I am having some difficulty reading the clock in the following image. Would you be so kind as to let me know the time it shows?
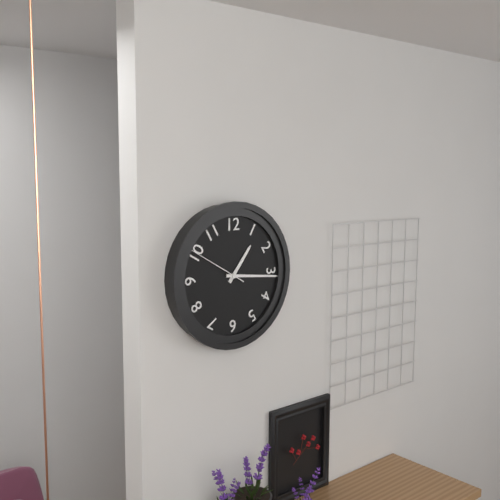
1:16:50
